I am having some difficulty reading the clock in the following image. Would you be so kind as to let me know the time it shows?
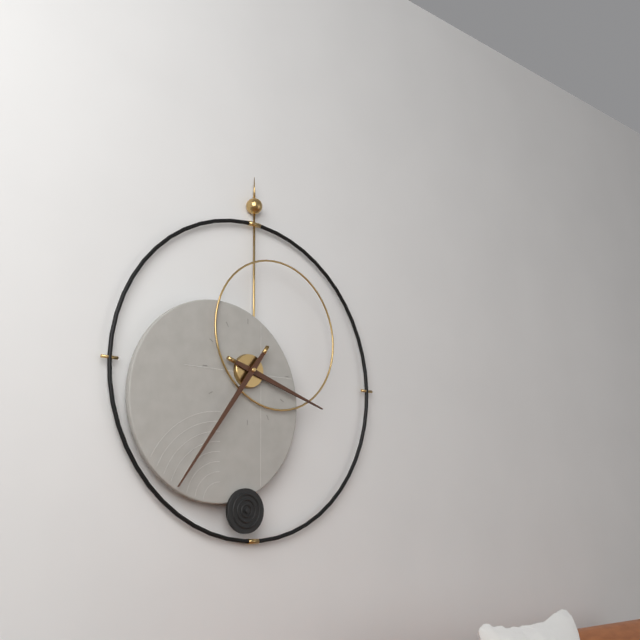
3:36
